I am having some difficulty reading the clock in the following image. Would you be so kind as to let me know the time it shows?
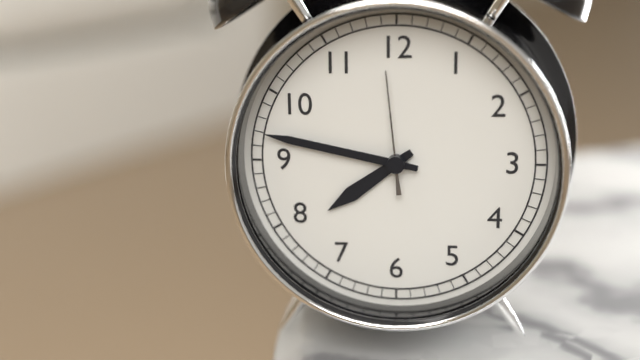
7:47:59
